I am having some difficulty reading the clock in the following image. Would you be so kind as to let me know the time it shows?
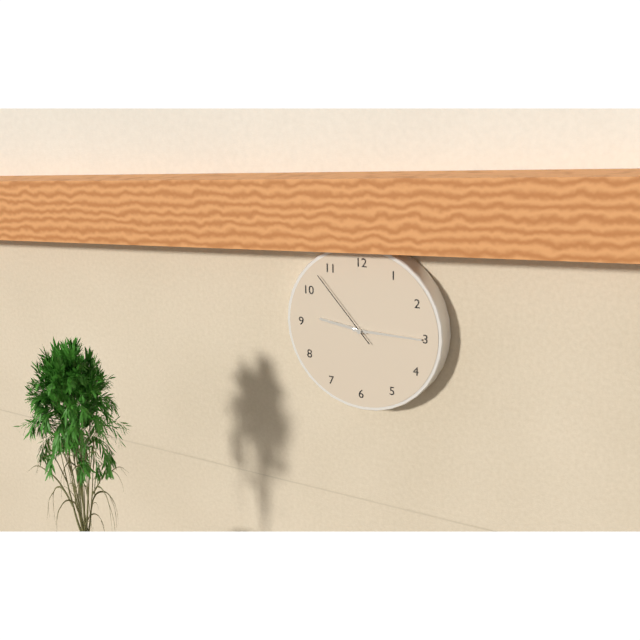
9:15:53
